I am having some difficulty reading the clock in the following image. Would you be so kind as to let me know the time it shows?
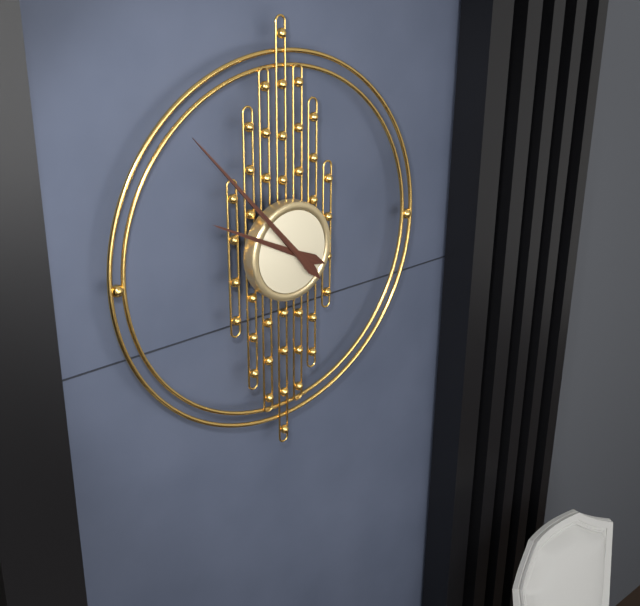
9:53
